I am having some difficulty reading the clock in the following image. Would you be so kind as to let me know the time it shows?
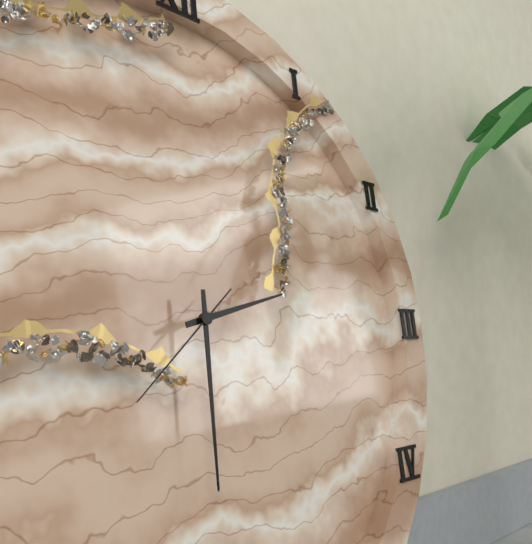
2:30:38
